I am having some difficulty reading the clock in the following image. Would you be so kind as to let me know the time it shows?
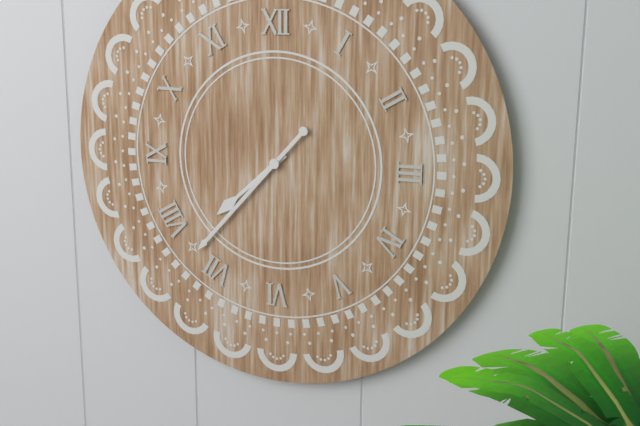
7:37
